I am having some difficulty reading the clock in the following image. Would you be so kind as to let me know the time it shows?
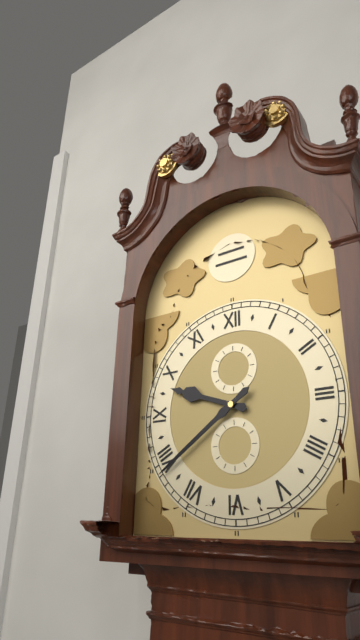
9:39
